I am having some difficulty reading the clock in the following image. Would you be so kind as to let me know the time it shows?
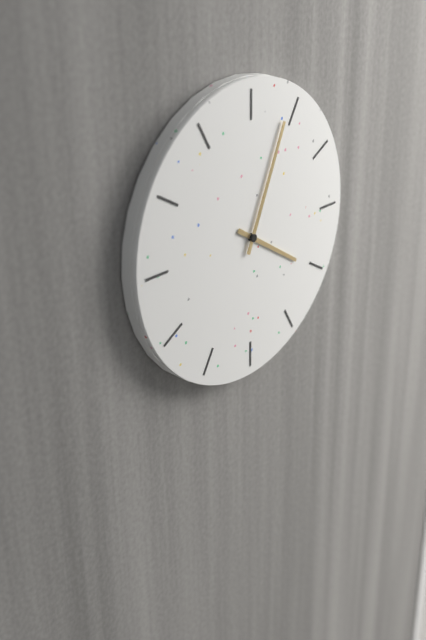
4:04
